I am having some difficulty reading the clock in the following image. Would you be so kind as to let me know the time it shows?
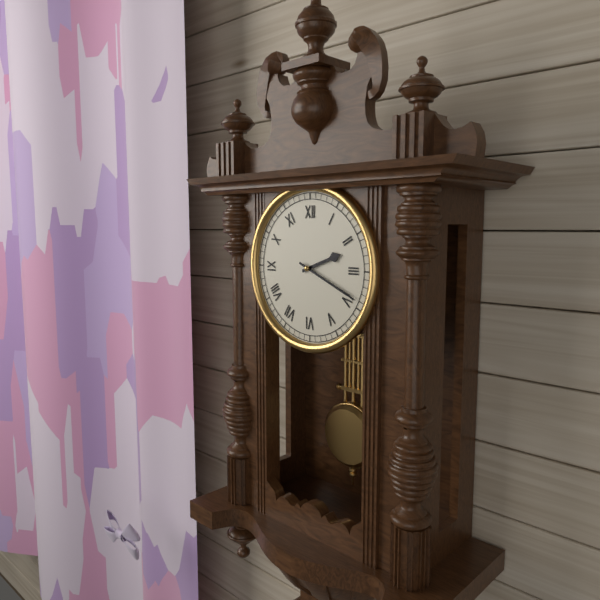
2:19
